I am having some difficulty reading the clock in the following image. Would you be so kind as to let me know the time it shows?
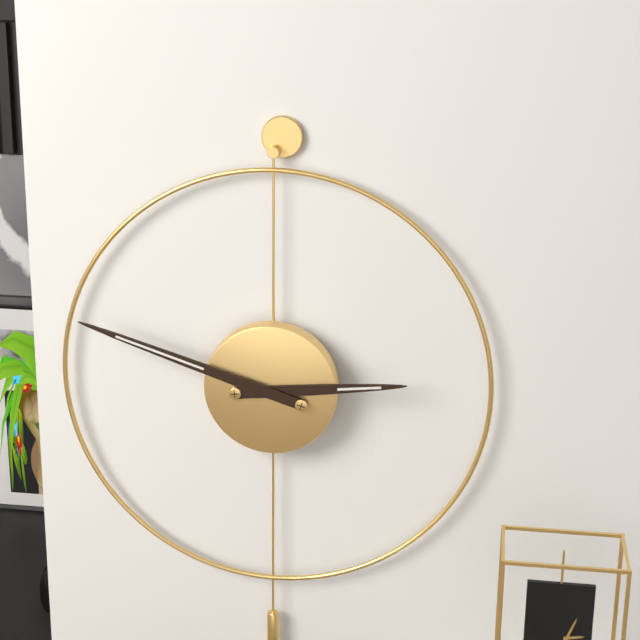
2:48
